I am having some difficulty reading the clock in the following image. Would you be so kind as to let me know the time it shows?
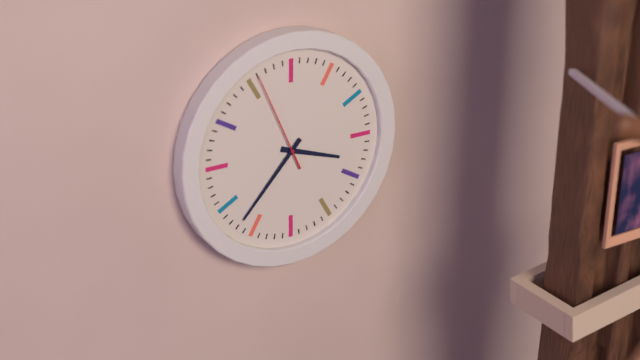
3:37:56
